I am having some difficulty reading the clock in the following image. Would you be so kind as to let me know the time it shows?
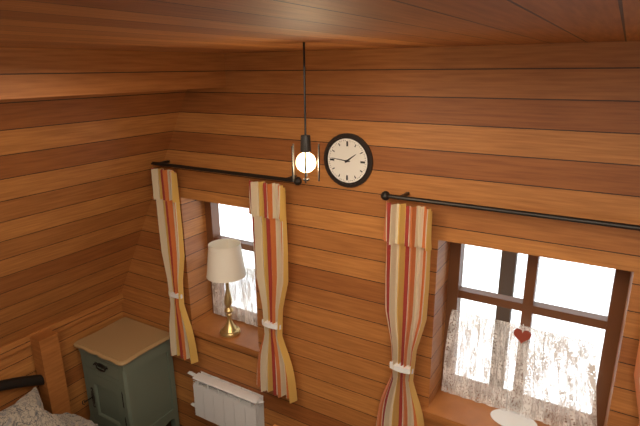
1:46
